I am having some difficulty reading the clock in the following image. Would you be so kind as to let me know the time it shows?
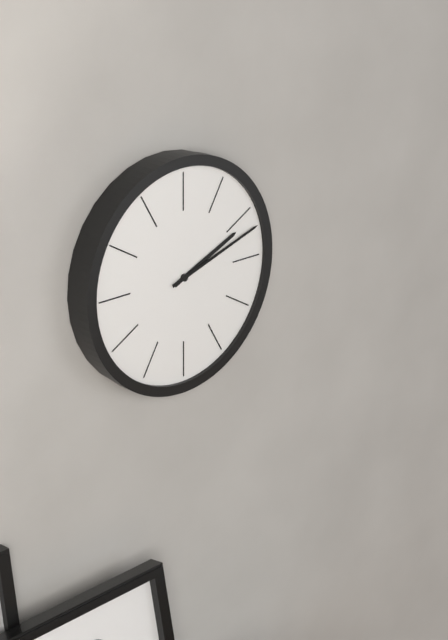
2:12
